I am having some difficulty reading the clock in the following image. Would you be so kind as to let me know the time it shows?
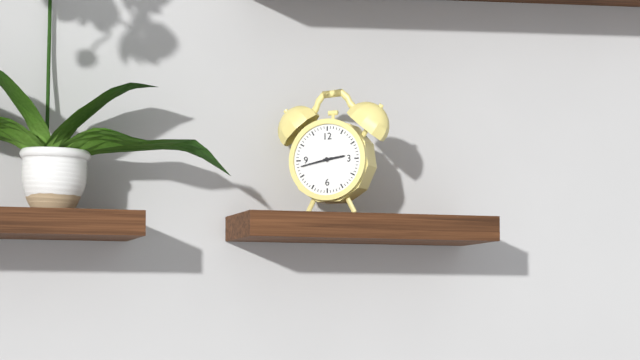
2:43
